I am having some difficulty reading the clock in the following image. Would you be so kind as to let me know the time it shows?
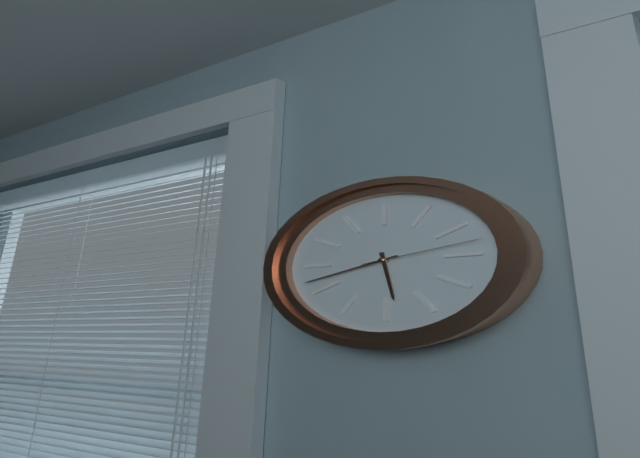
5:42:13
